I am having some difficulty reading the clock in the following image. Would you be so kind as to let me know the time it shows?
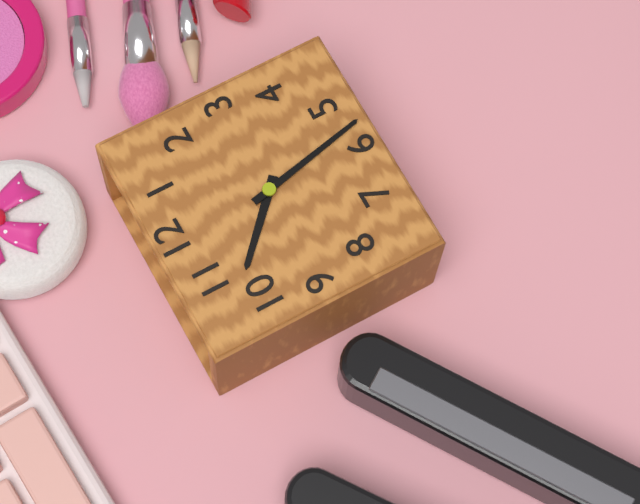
10:28
